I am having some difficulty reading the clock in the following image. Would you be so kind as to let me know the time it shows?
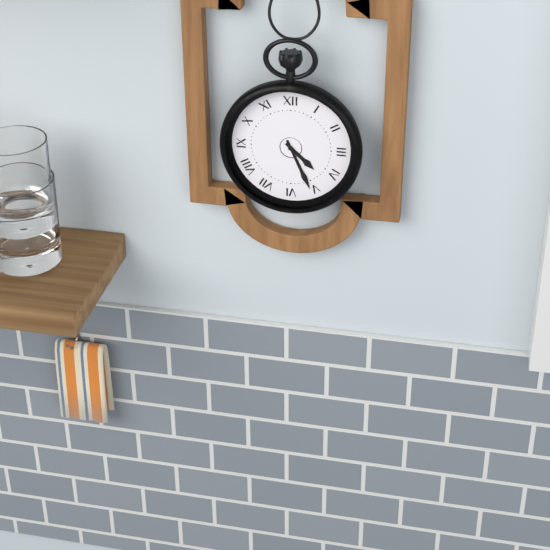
4:26
